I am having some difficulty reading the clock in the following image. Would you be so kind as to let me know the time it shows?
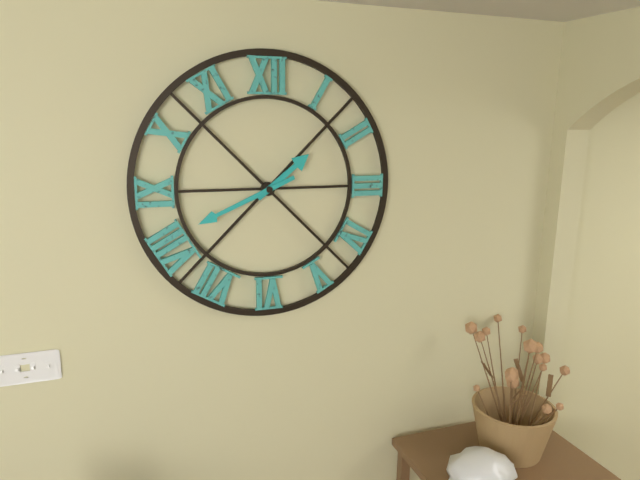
1:41
